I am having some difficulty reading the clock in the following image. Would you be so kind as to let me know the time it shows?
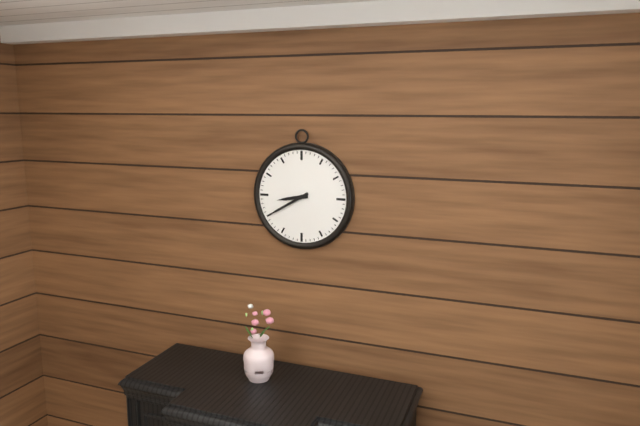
8:40
